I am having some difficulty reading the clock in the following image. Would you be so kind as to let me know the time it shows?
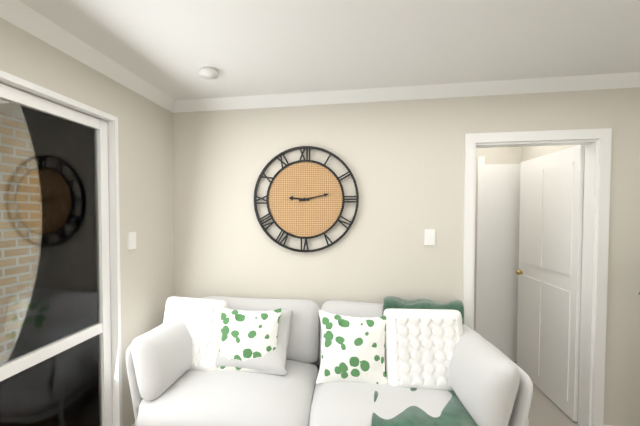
9:13
